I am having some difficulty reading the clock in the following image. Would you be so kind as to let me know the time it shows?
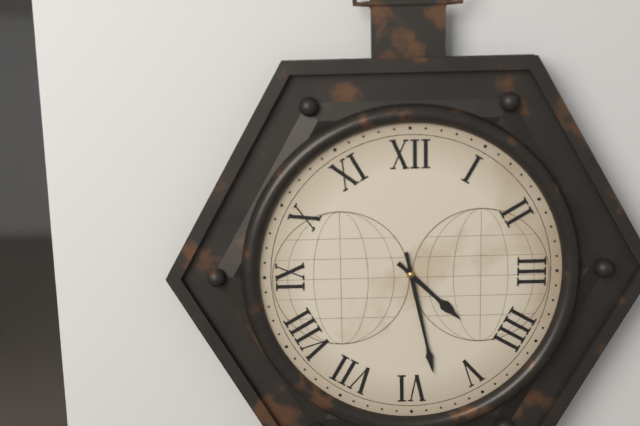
4:28
